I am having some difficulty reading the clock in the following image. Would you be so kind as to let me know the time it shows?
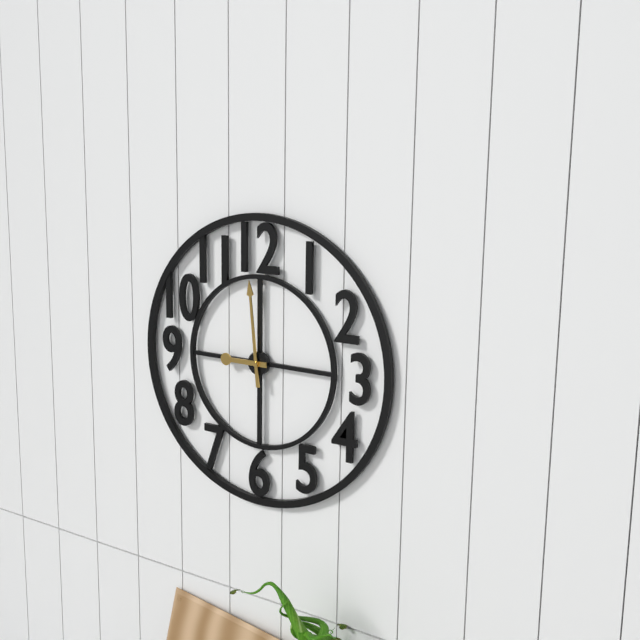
8:59
